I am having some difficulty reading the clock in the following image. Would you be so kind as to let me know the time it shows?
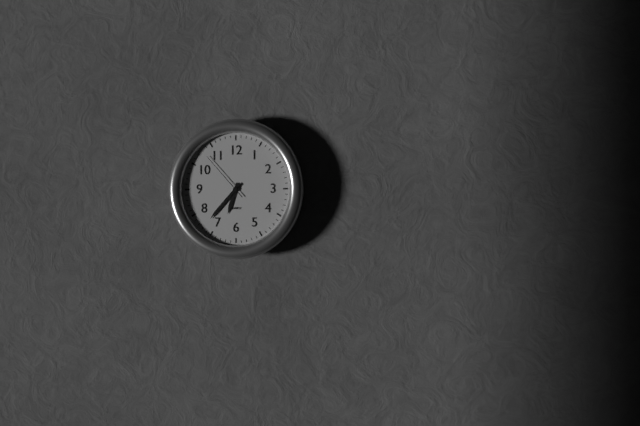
6:37:53
